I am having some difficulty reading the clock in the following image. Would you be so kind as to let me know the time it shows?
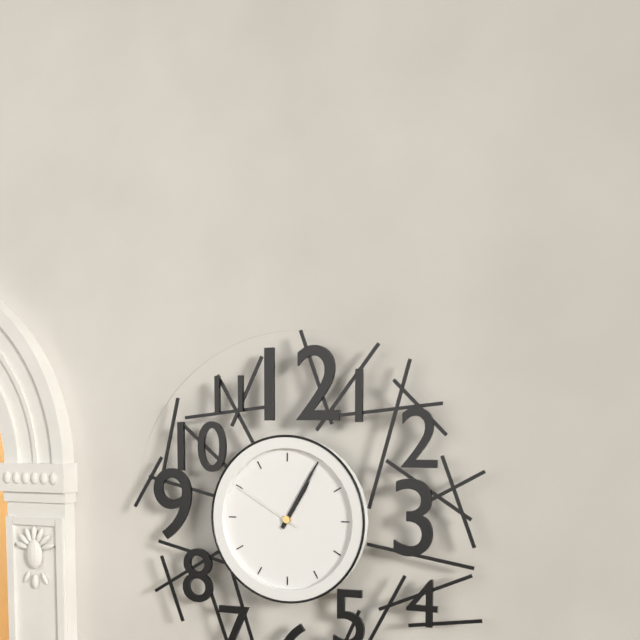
1:05:50
